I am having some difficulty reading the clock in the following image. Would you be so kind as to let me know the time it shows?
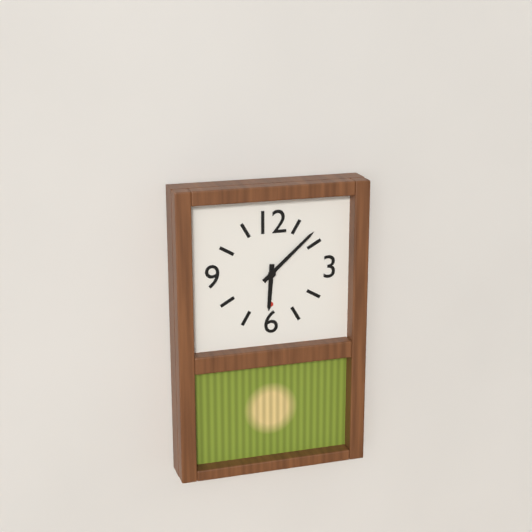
6:08
